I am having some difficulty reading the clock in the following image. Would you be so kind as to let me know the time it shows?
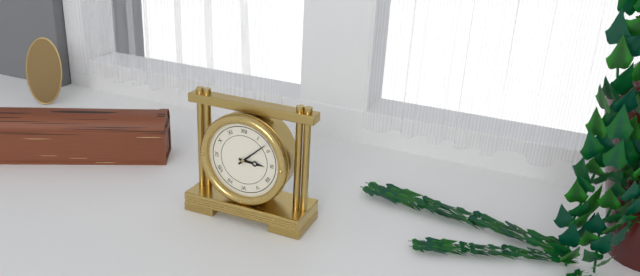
3:08
